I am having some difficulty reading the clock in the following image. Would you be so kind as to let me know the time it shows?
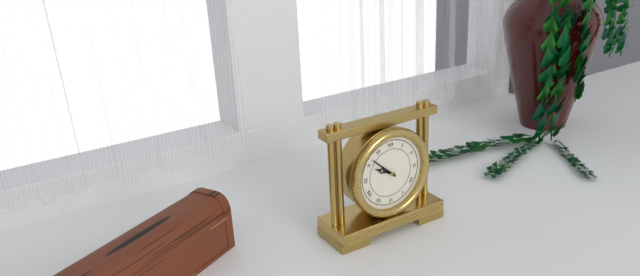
9:52
